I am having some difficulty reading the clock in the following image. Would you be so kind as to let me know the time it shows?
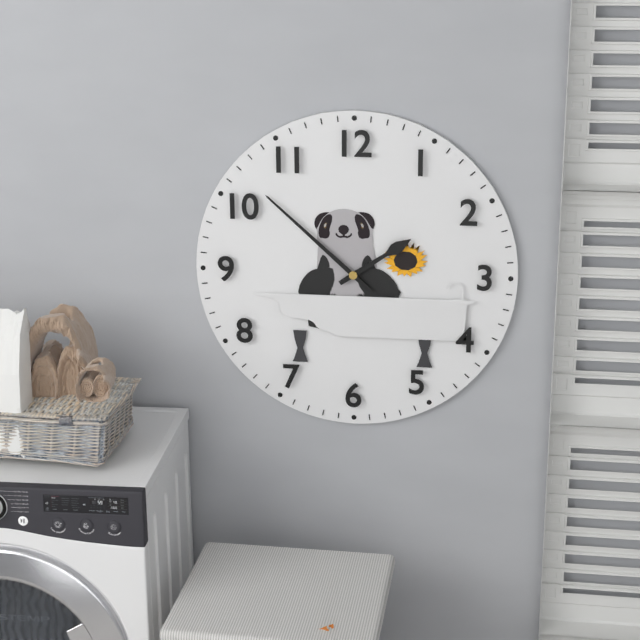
1:52
